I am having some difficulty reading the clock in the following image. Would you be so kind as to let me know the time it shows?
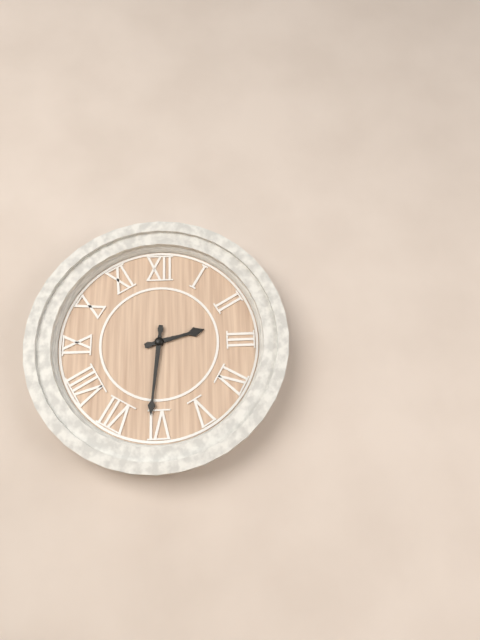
2:31
